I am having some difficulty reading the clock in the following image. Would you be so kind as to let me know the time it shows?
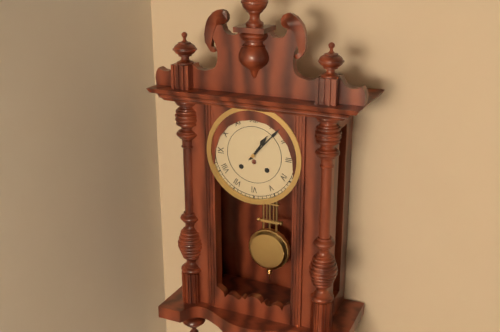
1:07
